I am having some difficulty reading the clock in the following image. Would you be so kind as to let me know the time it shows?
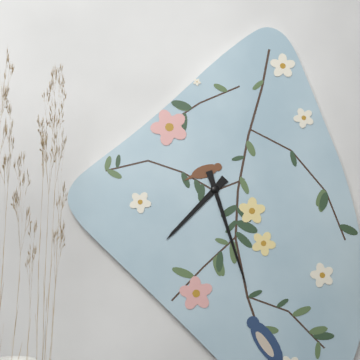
7:27
